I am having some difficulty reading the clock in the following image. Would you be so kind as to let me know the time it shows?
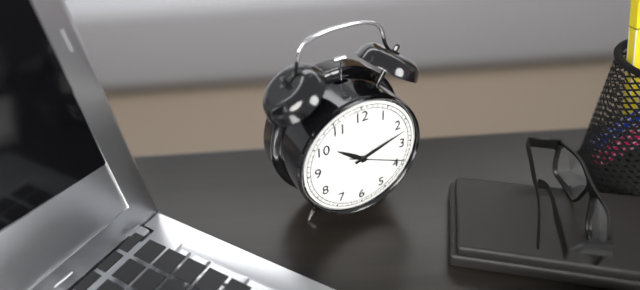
10:12:19
